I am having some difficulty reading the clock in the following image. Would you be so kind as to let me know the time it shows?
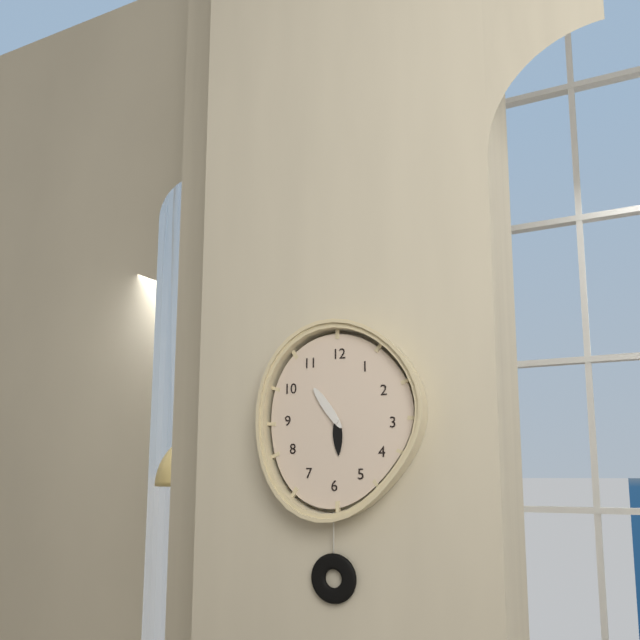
5:54
